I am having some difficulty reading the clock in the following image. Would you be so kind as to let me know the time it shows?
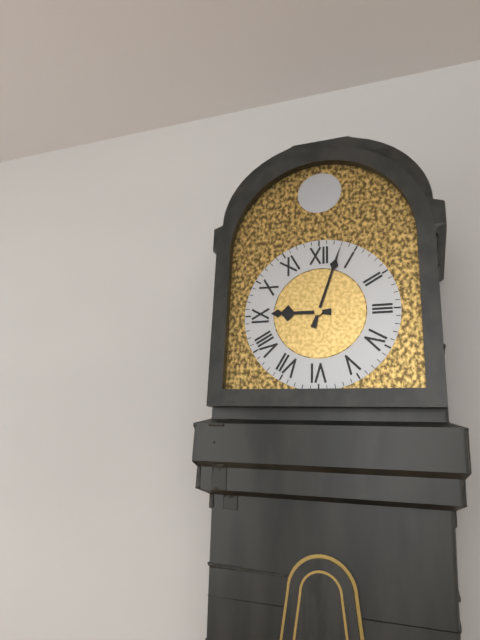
9:03
